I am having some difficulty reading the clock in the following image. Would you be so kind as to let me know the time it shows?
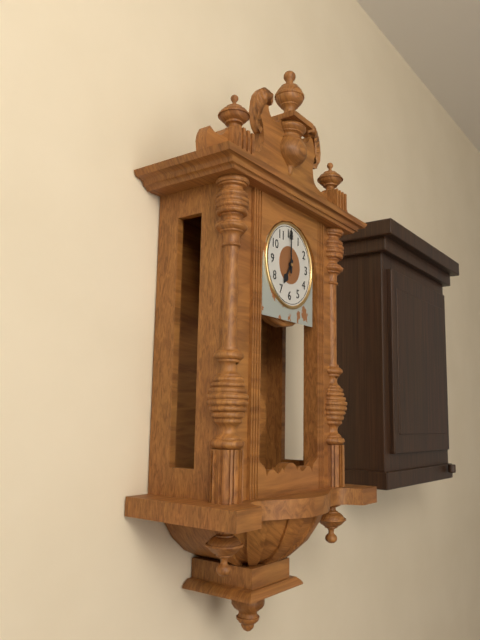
7:00
